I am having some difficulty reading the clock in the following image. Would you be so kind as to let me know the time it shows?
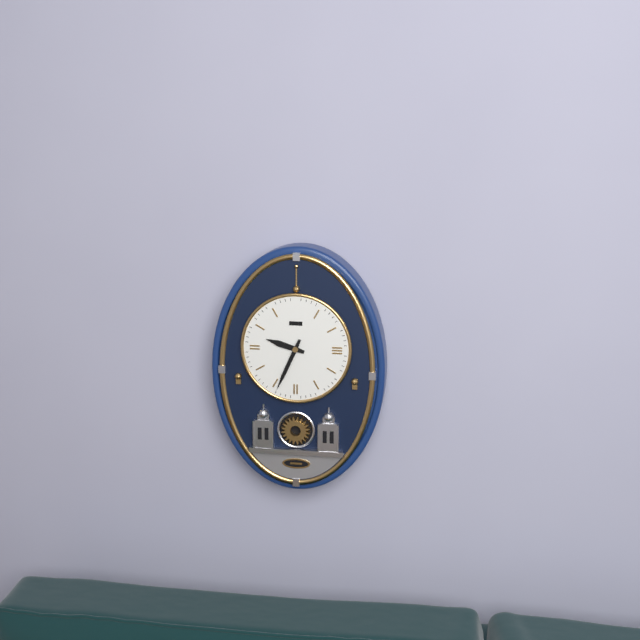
9:34
